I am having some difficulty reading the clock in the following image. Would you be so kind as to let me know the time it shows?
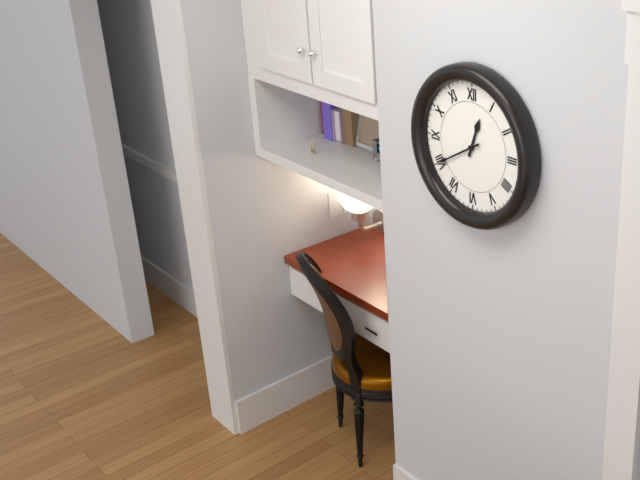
12:40
